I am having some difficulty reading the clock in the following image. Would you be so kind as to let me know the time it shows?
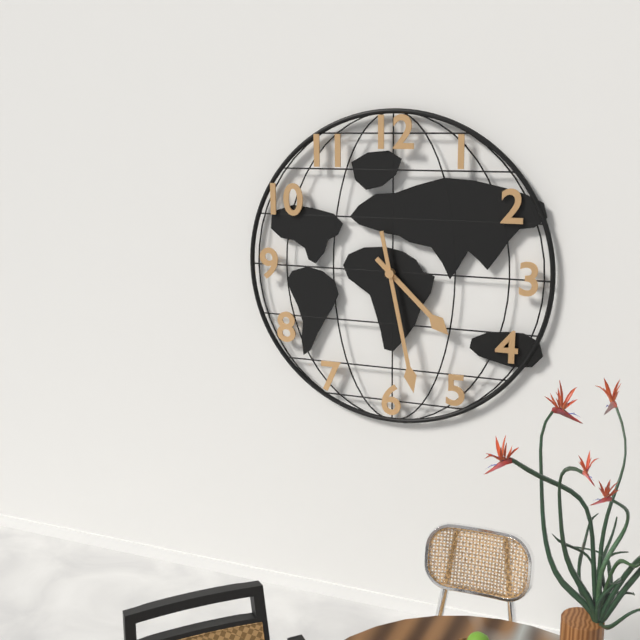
4:28
